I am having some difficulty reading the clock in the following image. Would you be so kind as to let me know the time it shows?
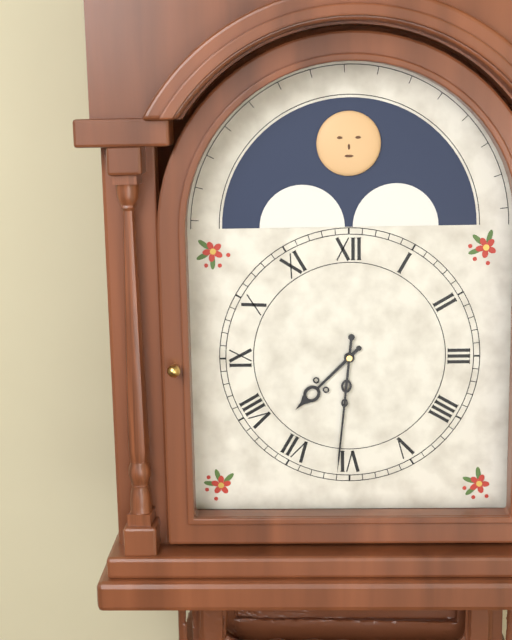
7:31
